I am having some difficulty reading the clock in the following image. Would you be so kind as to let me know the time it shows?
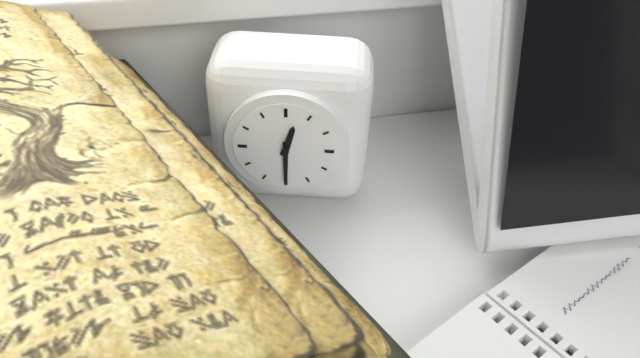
12:30
